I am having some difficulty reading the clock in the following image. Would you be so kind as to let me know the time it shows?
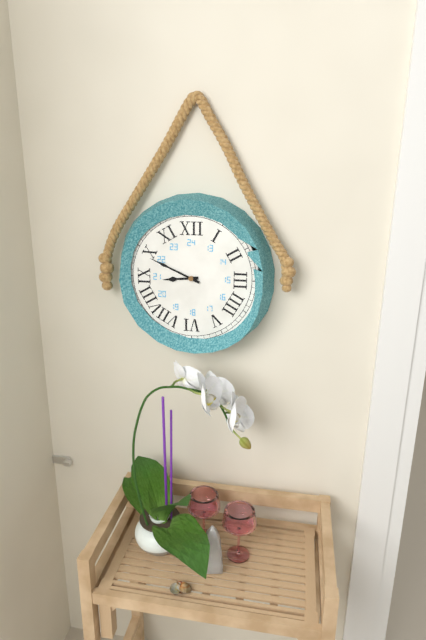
8:49
